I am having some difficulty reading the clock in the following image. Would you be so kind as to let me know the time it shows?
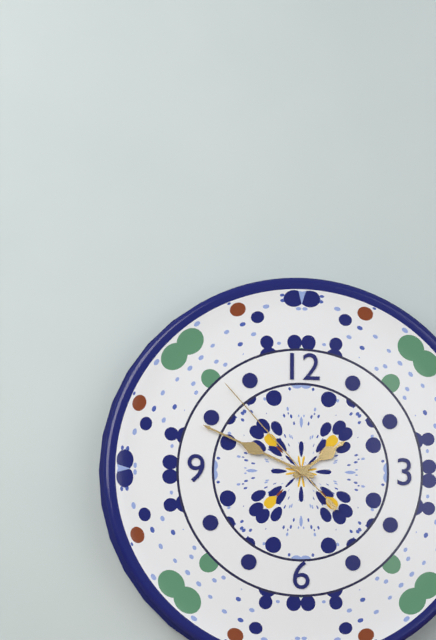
1:49:53
